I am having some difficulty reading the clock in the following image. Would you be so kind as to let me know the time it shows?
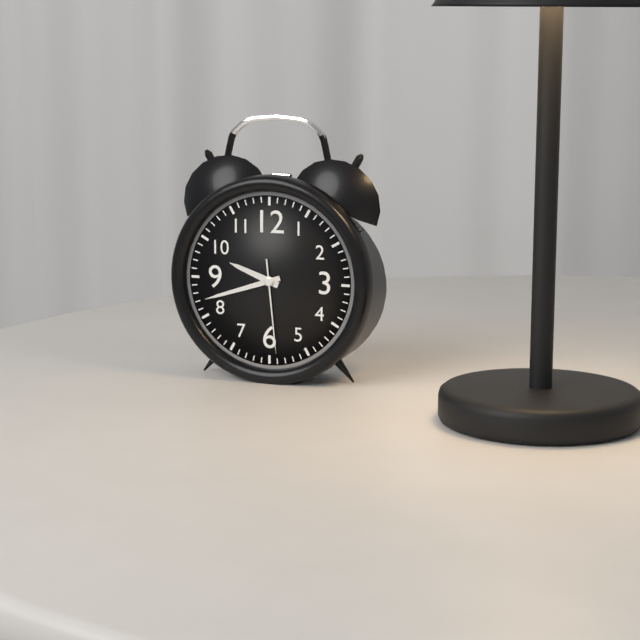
9:42:29
